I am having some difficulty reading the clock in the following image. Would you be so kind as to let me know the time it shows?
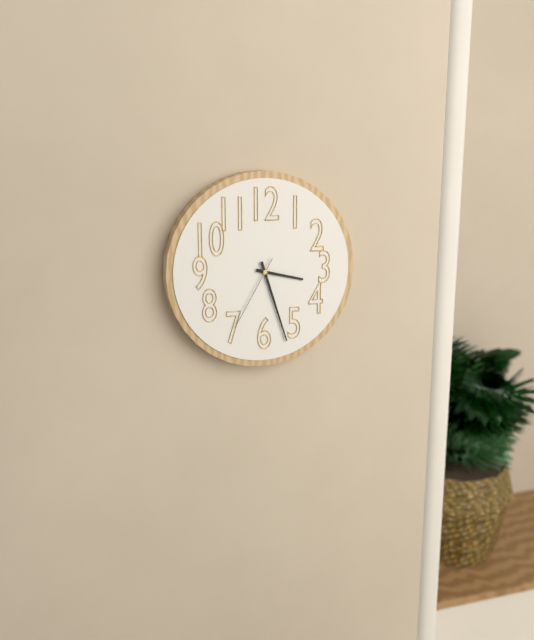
3:27:35
